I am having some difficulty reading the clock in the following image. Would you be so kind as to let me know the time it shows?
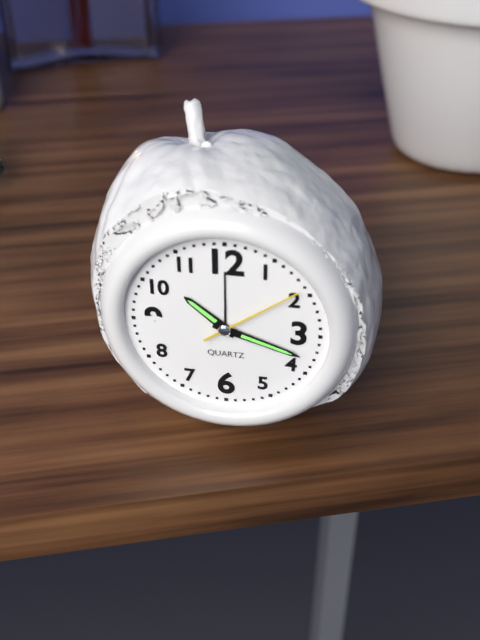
10:18:09
